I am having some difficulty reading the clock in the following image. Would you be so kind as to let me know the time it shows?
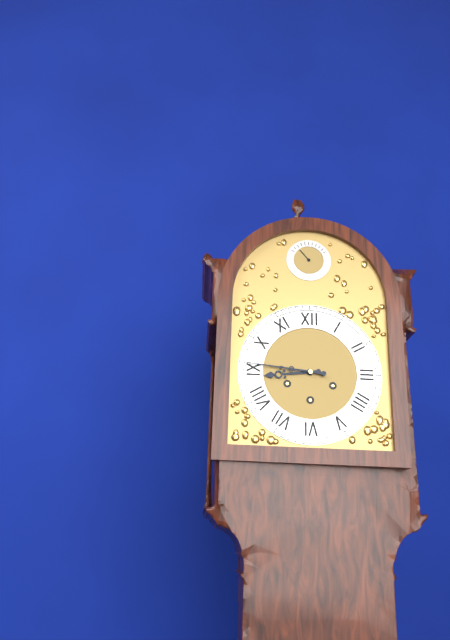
8:46
